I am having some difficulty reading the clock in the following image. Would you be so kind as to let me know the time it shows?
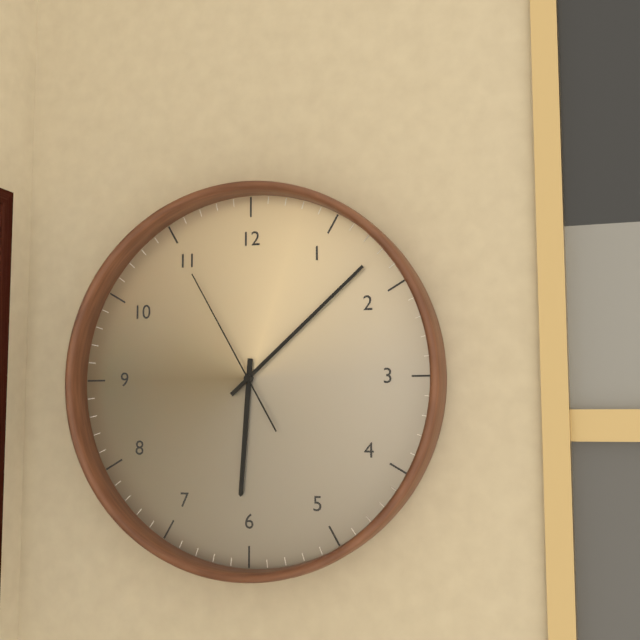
6:08:55
